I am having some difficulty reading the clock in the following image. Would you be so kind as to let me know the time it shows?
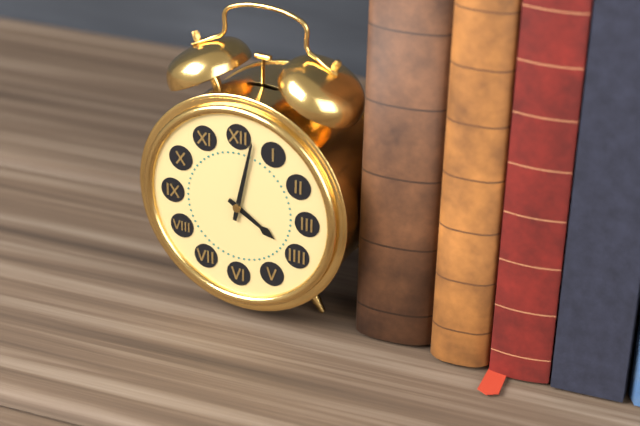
4:02
